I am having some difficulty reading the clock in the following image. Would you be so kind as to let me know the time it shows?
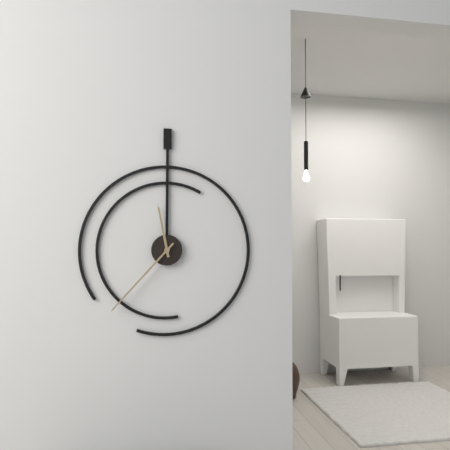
11:37
